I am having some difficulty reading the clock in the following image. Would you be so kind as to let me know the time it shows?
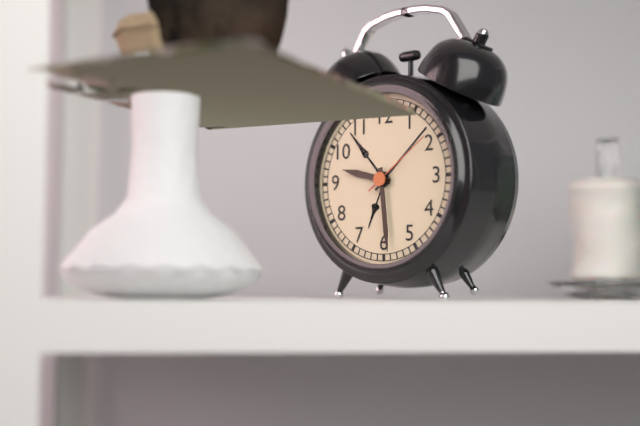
9:29:09
